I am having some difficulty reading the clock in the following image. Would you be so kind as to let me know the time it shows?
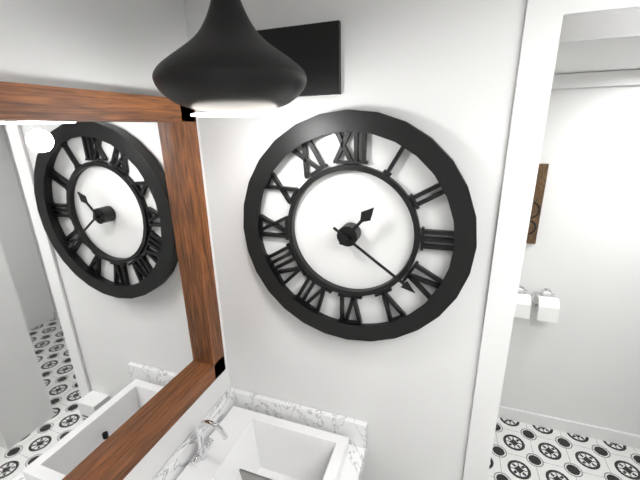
1:21
